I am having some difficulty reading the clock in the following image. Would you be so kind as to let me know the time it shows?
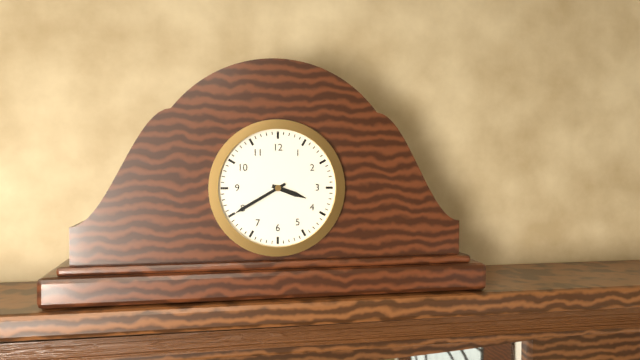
3:40
